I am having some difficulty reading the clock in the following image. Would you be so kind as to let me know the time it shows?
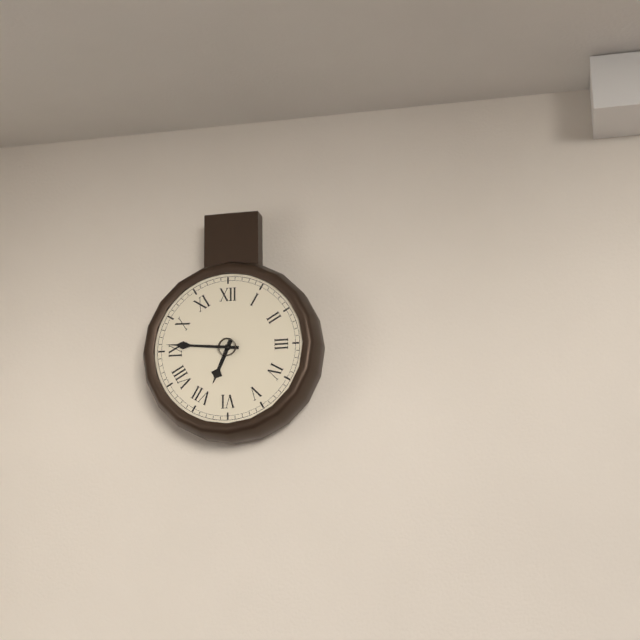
6:46
